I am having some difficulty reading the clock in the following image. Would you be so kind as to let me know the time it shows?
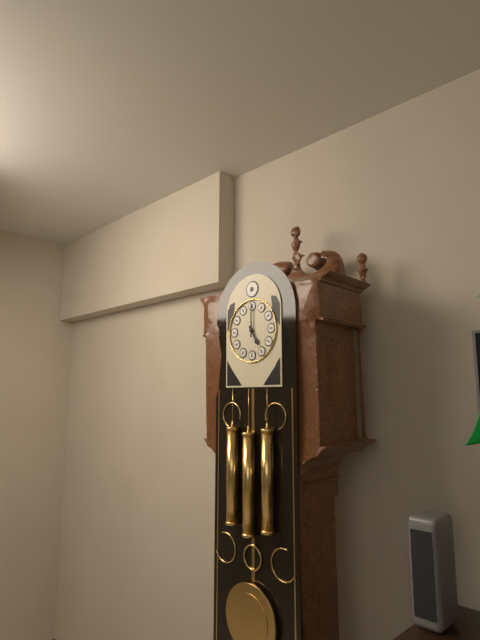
5:00
